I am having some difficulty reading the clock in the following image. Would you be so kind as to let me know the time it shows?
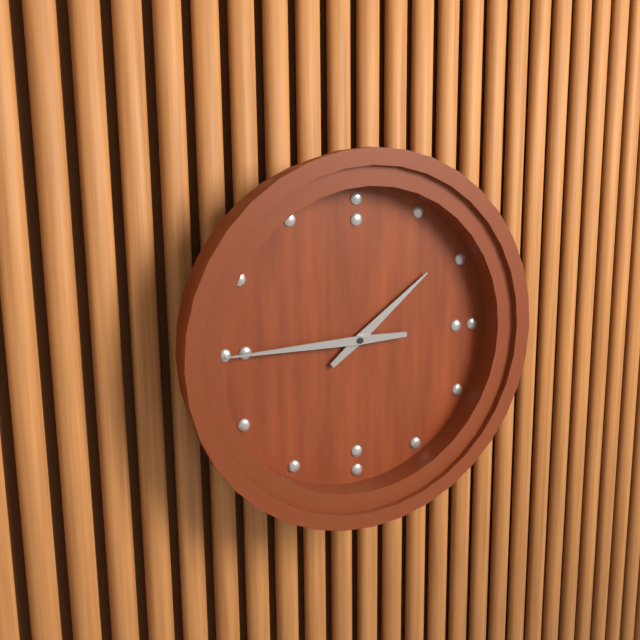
1:45
